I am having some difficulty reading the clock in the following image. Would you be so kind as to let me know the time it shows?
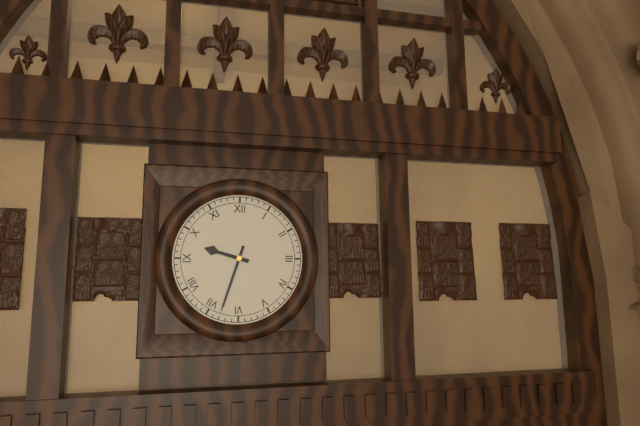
9:33
